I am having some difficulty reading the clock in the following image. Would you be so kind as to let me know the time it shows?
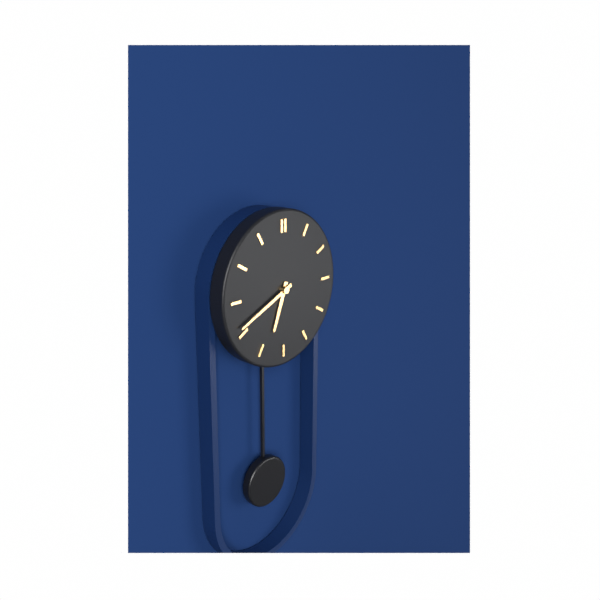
6:41
